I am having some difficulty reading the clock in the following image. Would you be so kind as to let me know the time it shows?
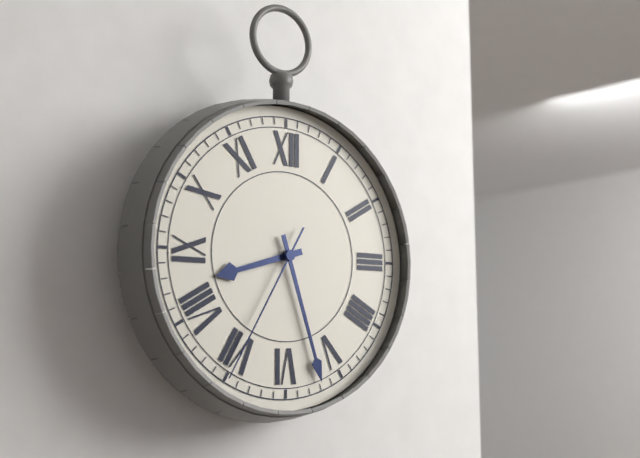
8:27:35
